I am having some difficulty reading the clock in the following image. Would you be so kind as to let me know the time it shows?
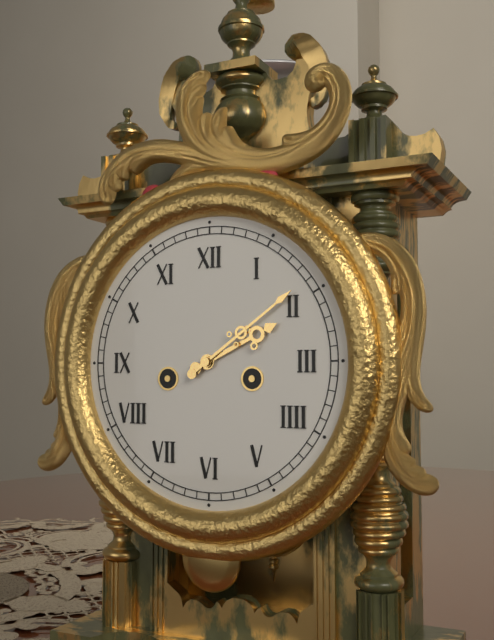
2:09
